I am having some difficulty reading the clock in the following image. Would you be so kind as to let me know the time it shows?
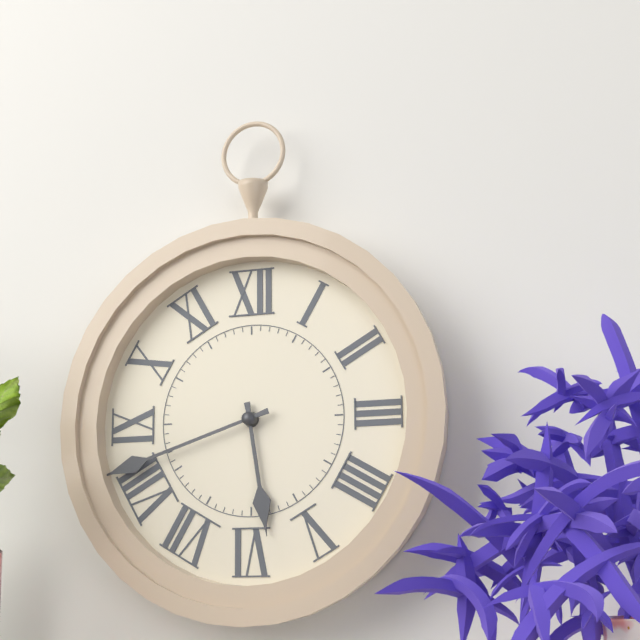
5:42
